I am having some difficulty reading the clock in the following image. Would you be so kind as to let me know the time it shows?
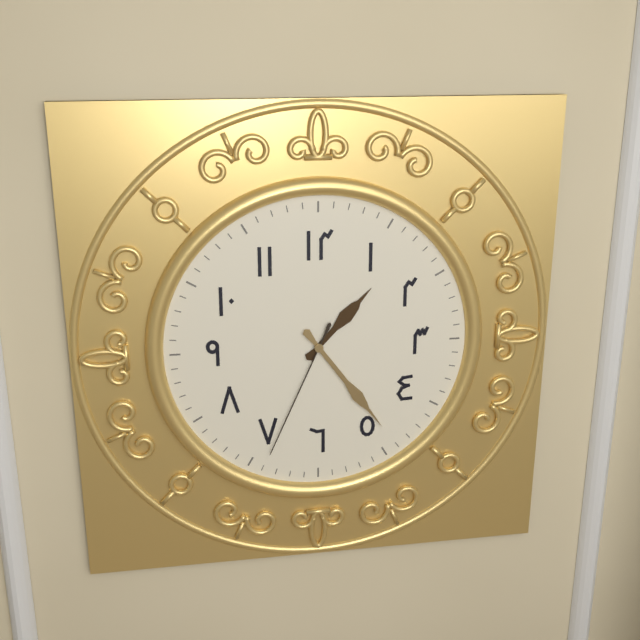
1:24:34
